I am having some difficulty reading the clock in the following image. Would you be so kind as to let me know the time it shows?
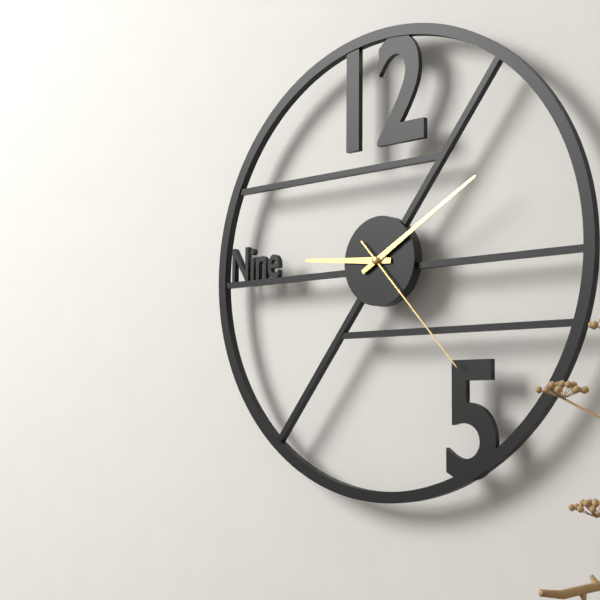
9:10:23
